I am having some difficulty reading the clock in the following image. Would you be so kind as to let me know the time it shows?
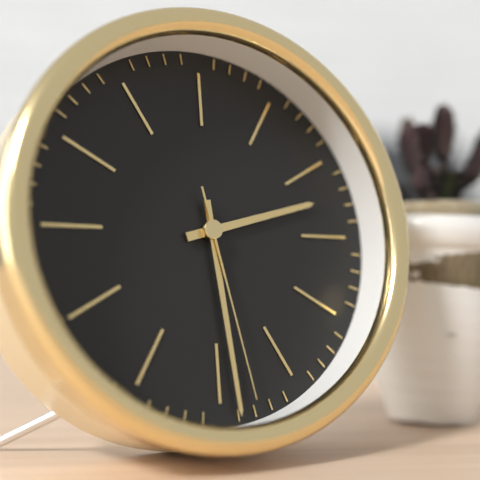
2:29:28
